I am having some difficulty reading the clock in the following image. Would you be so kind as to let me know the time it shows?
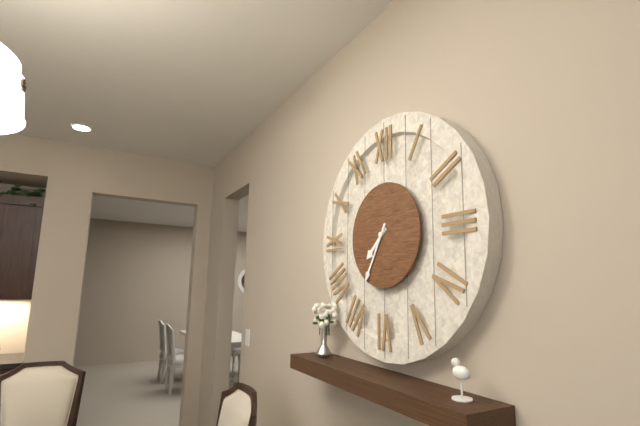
7:35
